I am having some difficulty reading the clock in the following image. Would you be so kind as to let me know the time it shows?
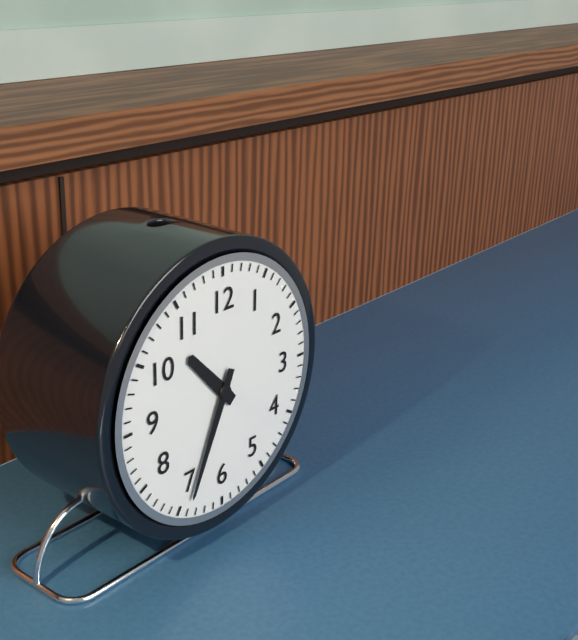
10:34
